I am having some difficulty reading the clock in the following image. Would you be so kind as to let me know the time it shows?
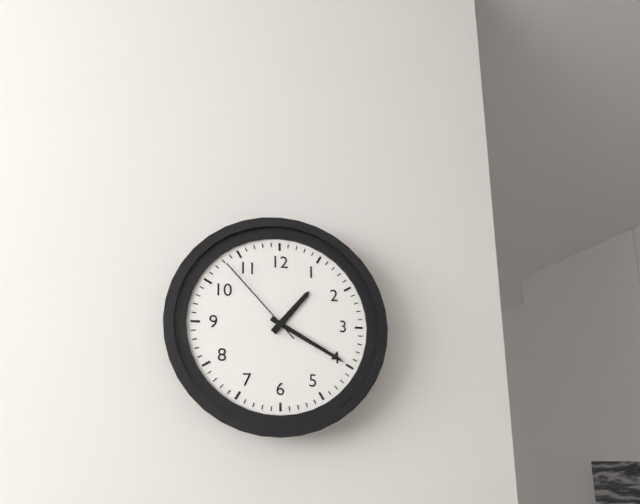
1:20:53
